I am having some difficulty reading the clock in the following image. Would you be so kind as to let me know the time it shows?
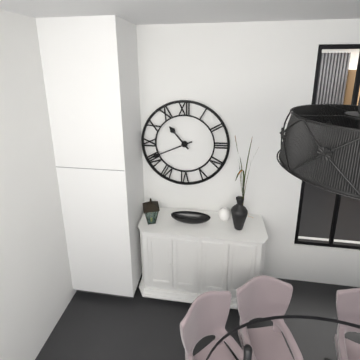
10:41
